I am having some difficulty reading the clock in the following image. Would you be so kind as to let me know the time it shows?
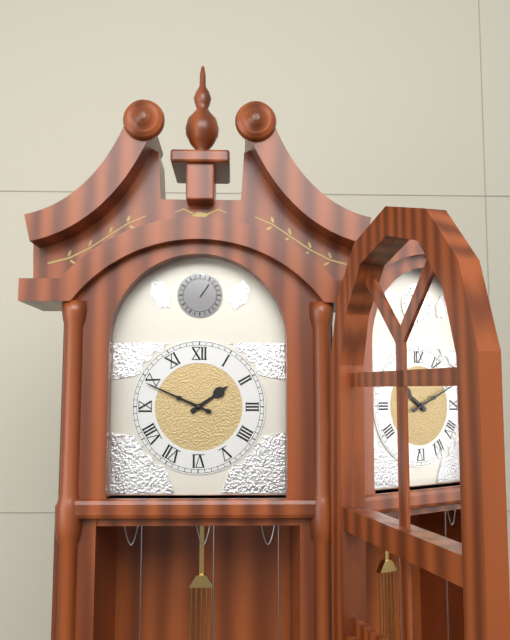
1:49
